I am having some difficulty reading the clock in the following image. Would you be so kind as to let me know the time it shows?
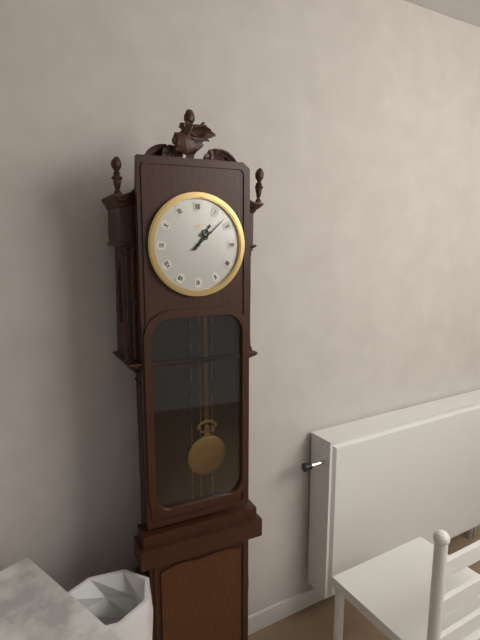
1:08
